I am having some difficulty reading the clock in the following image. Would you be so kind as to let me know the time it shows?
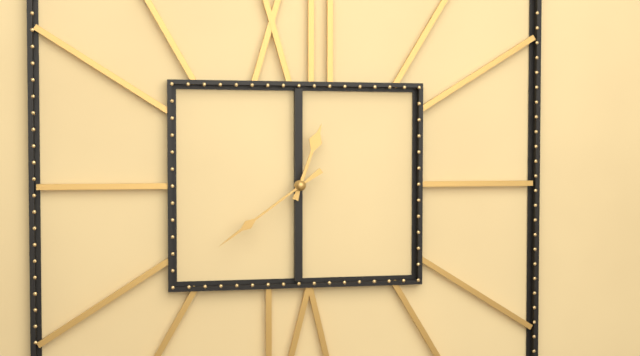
12:39
